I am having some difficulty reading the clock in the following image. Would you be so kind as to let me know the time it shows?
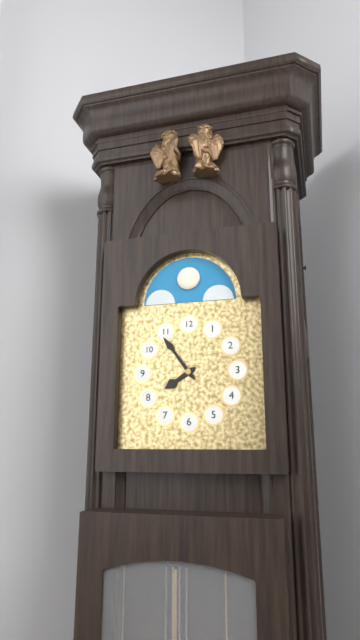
7:54
